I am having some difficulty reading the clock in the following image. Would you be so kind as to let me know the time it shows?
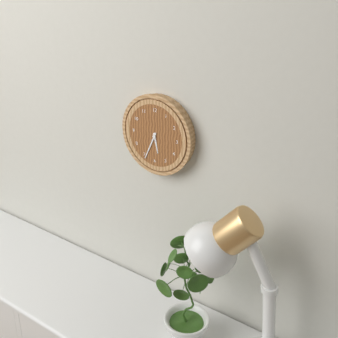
5:34
